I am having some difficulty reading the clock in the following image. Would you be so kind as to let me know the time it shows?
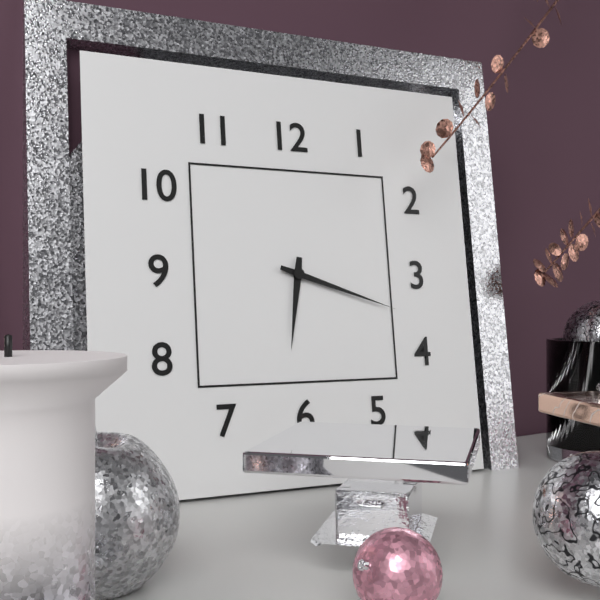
6:18
